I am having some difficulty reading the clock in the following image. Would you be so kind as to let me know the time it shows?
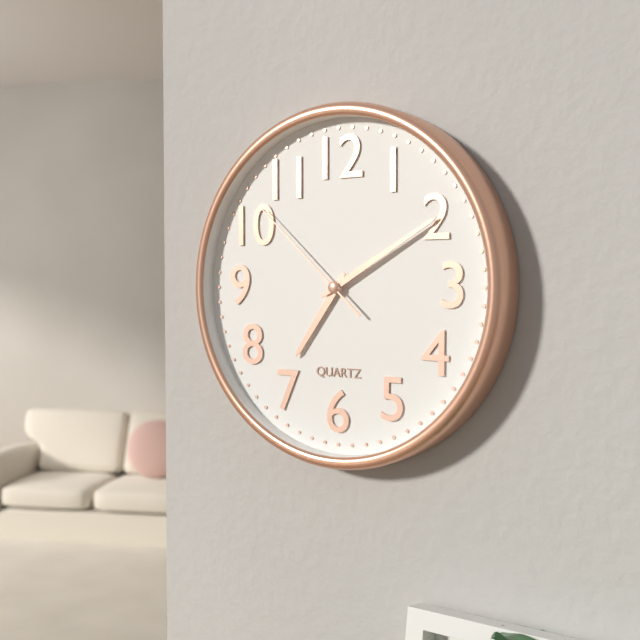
7:10:52
